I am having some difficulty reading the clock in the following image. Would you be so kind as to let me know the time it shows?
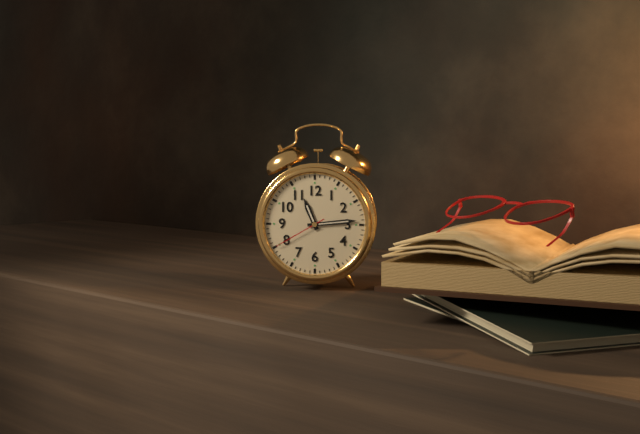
11:14:40
